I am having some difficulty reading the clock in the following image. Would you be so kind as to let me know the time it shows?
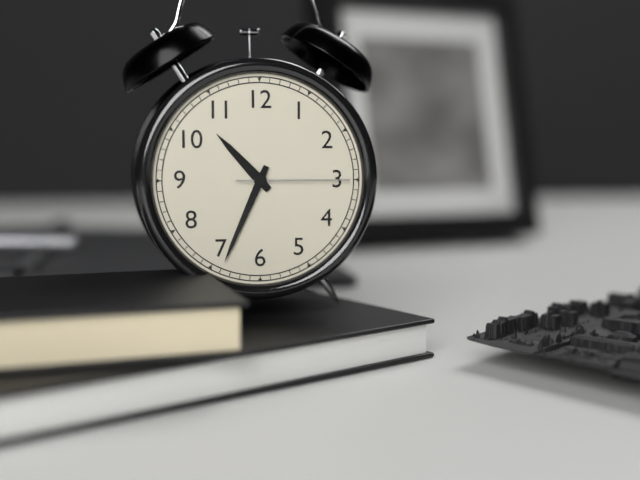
10:34:15
